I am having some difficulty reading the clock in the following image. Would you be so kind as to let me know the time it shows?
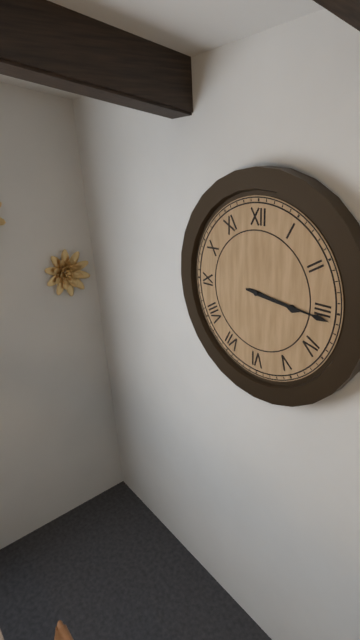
3:16
